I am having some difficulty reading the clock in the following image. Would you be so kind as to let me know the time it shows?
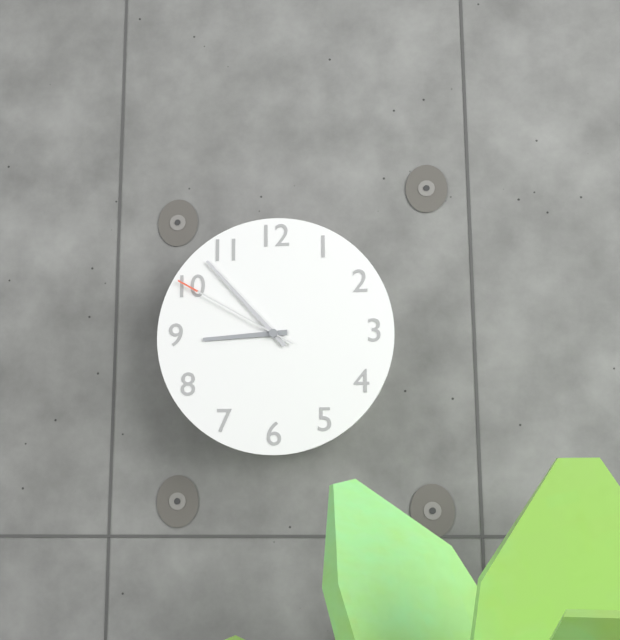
8:53:50
